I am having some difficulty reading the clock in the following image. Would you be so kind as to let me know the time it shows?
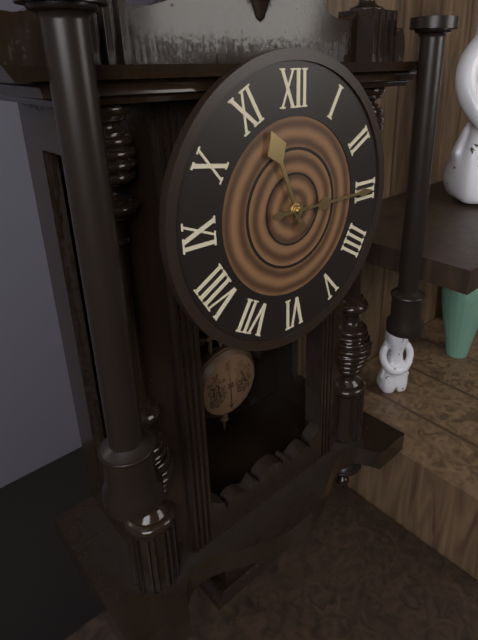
11:15
